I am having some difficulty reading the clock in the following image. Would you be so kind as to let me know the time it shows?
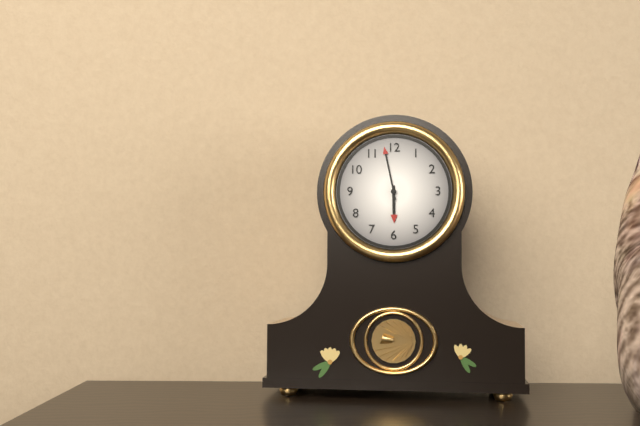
5:58
